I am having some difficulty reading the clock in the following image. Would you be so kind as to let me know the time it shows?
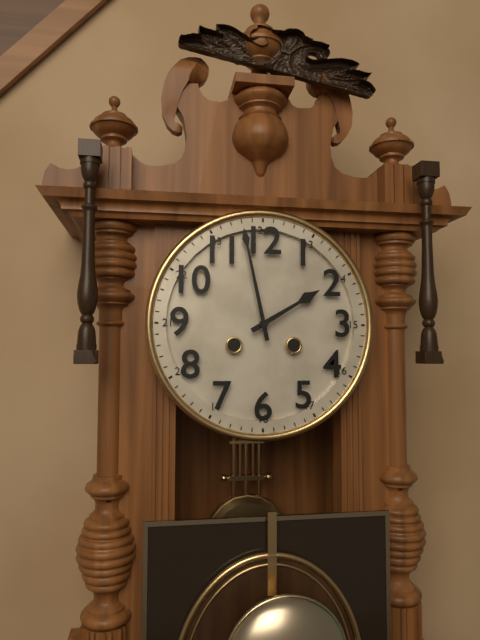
1:58
